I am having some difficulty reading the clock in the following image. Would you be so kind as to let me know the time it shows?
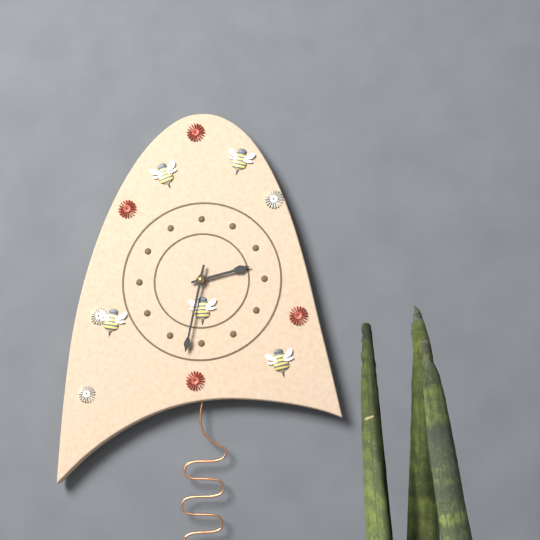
2:32
